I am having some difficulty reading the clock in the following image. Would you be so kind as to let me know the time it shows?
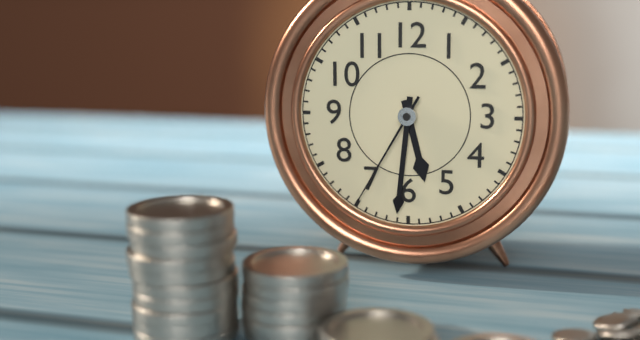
5:31:35
